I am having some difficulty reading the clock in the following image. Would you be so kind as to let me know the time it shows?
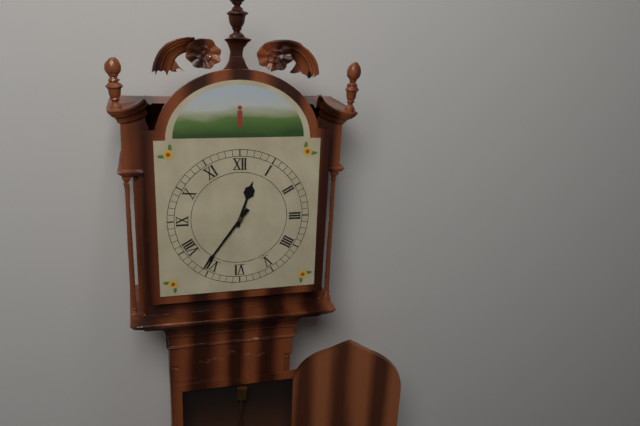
12:36
